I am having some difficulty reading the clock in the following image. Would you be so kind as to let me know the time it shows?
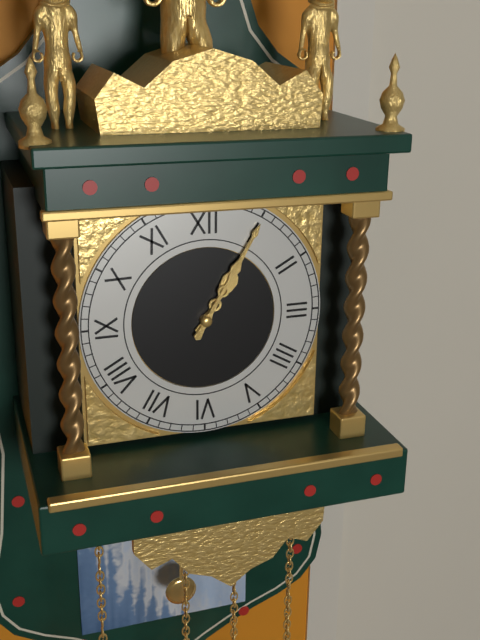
1:05
